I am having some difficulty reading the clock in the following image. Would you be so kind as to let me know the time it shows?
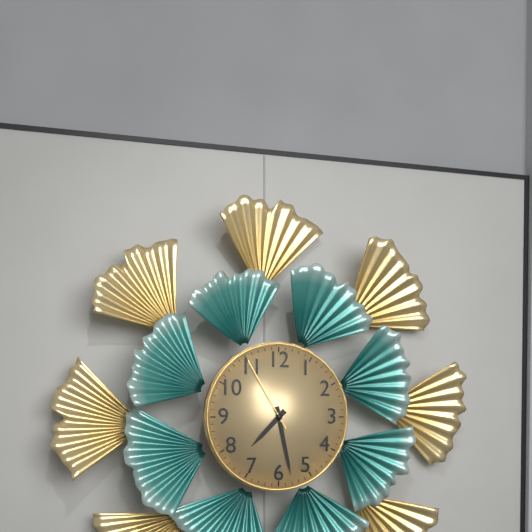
7:28:55
